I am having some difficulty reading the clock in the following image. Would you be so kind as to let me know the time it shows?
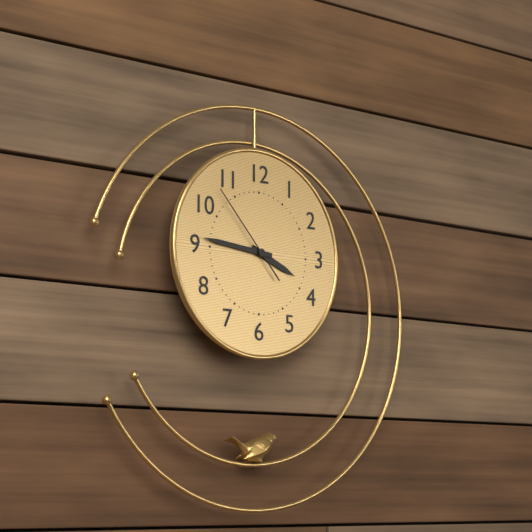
3:46:53
